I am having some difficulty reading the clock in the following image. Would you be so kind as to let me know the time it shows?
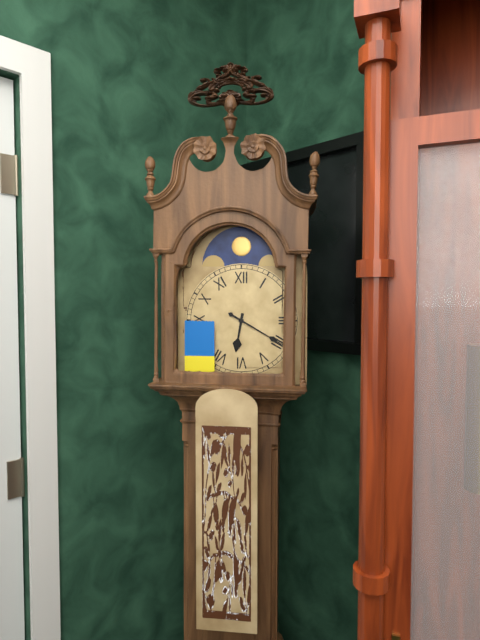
6:20
